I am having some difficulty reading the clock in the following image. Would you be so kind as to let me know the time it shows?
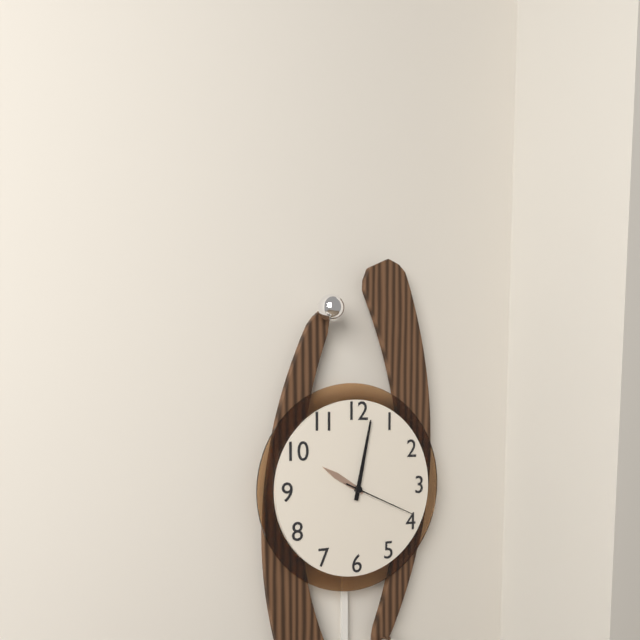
10:02:19
